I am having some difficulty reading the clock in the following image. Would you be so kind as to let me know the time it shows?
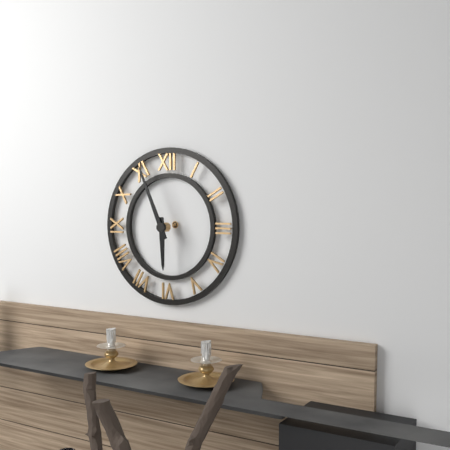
5:56
